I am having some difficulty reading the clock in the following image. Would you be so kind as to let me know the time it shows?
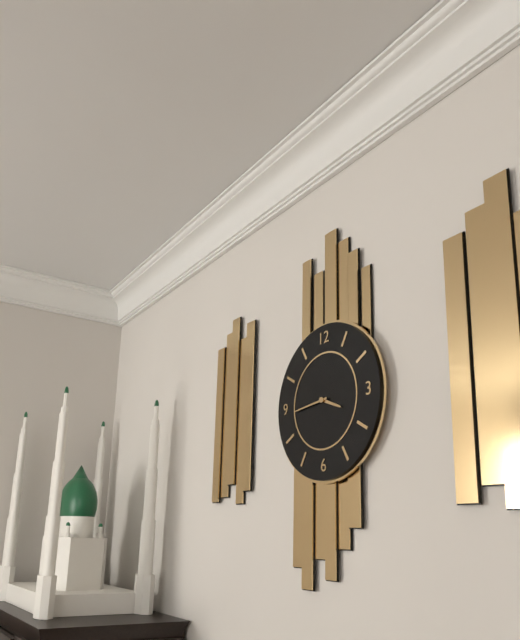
3:44
